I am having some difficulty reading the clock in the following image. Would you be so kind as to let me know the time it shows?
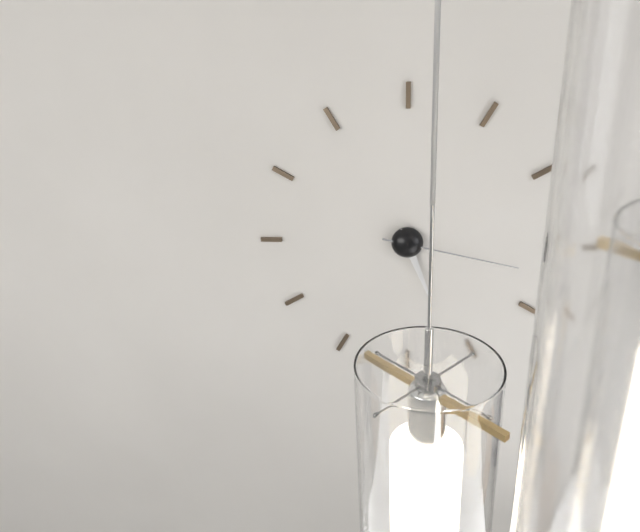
5:17
